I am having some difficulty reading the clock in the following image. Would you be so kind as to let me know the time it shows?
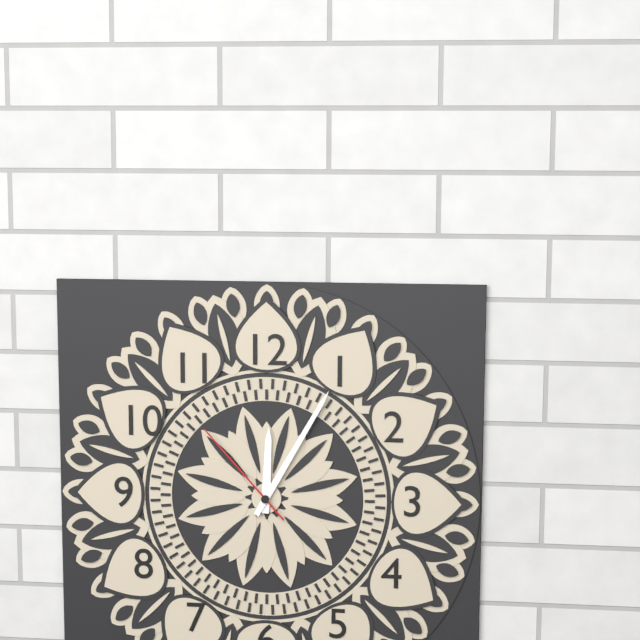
12:05:53
